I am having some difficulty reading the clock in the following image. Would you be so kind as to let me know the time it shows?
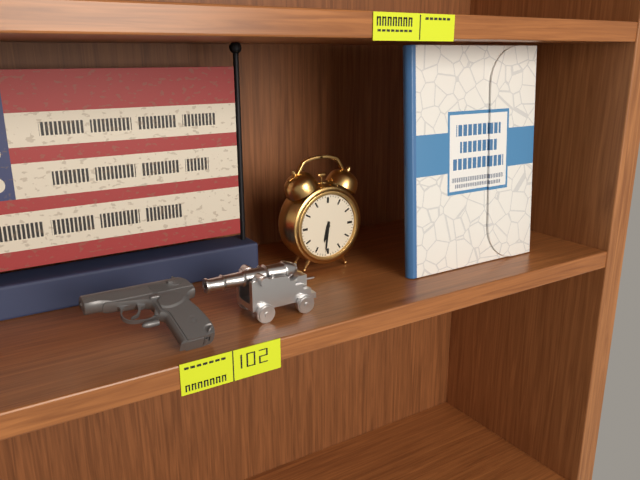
6:31
